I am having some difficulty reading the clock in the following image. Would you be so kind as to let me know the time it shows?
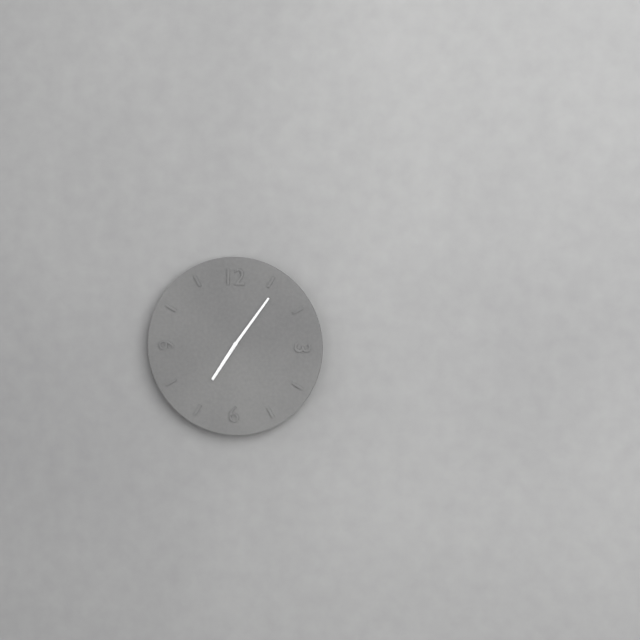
7:06
